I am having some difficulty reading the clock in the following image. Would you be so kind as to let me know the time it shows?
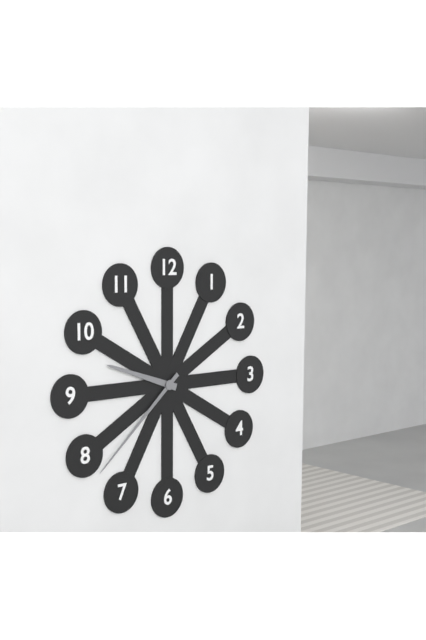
9:38
